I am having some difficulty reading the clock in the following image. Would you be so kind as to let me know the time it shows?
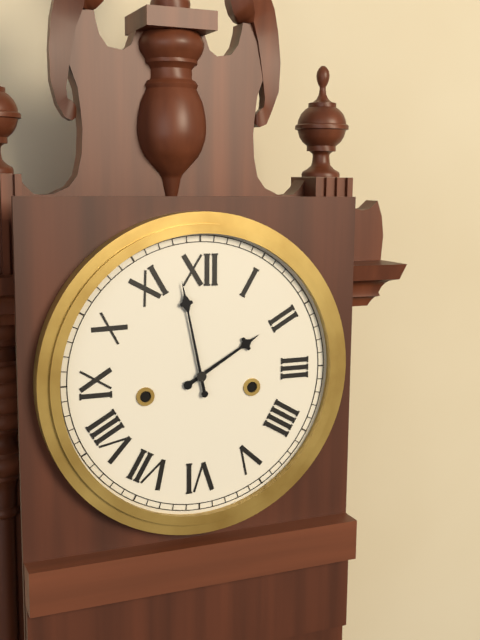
1:58
